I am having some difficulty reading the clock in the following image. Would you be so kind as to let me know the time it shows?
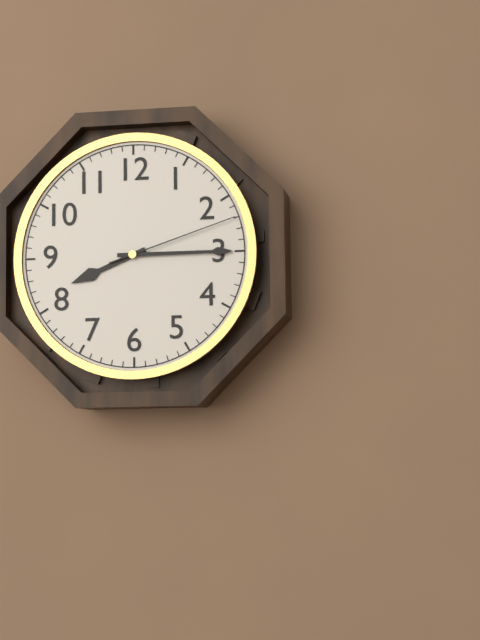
8:15:12
